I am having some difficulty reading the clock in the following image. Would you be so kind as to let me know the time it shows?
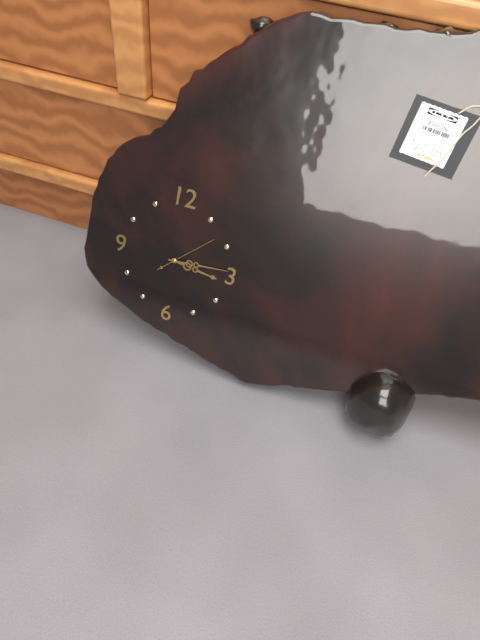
3:14:08
